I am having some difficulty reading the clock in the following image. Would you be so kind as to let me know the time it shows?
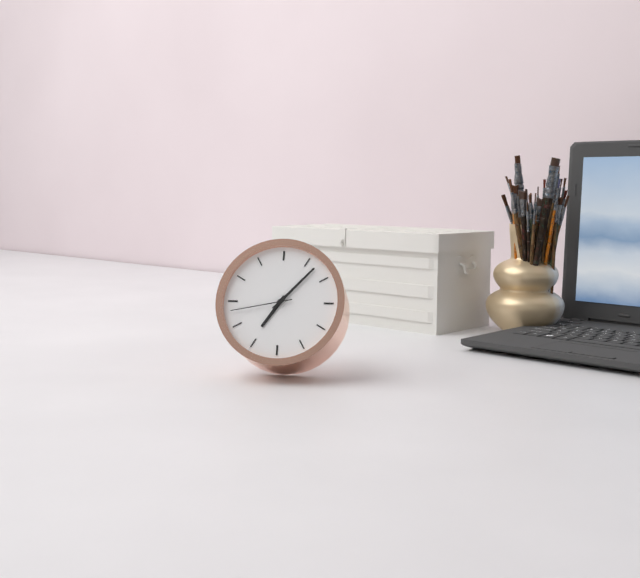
7:07:43
